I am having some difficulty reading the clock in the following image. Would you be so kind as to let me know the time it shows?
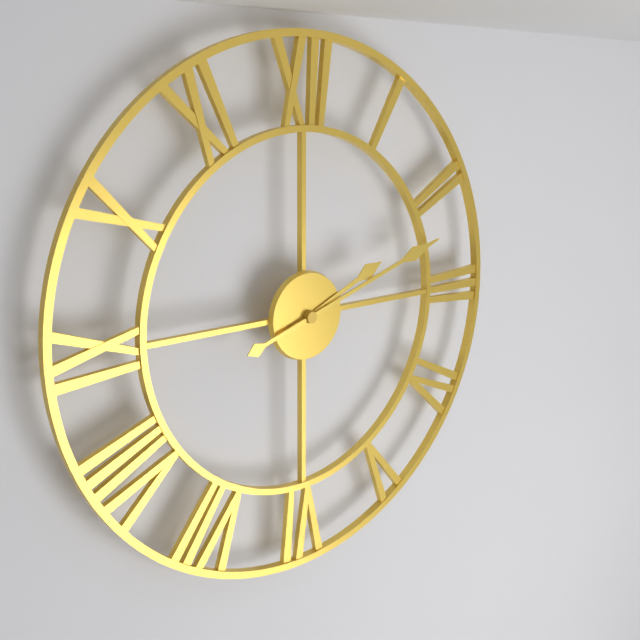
2:12
